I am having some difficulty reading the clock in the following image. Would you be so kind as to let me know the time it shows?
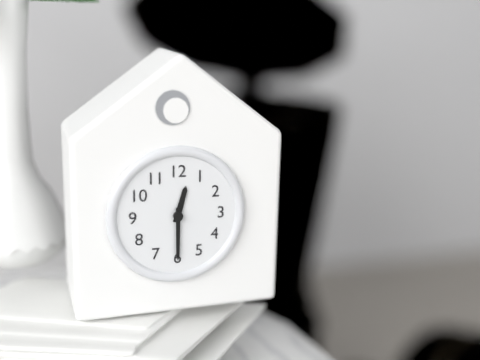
12:30
